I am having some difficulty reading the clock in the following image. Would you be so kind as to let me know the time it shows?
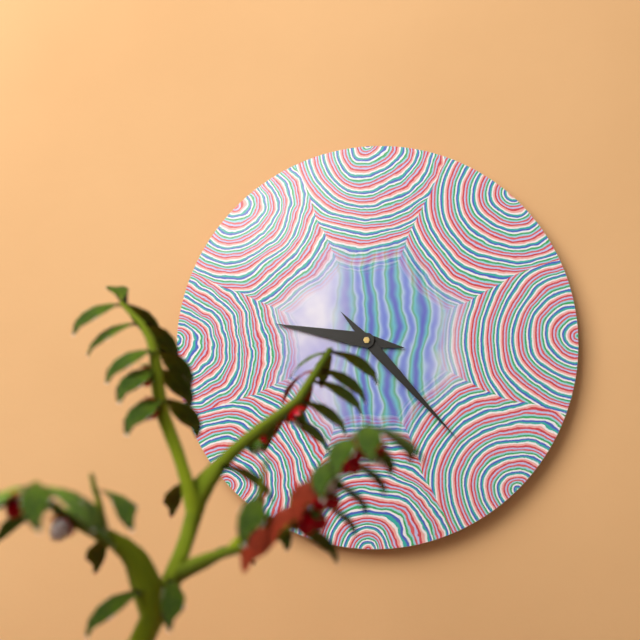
9:23
